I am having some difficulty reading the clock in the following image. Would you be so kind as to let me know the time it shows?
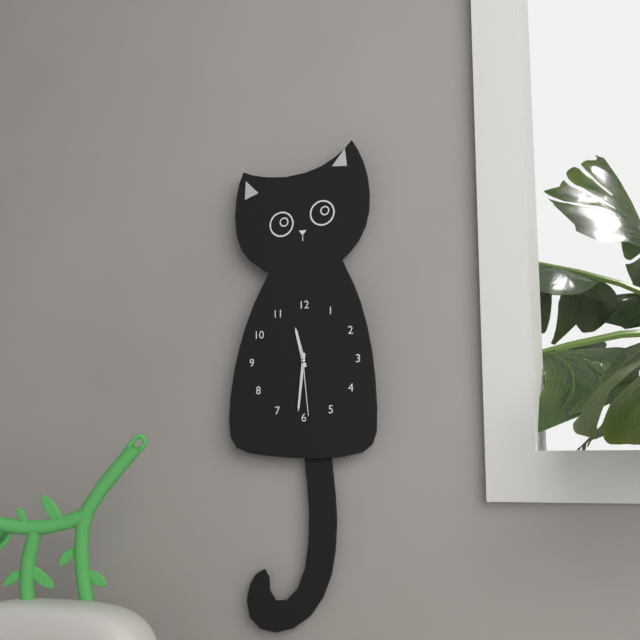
11:31:29
